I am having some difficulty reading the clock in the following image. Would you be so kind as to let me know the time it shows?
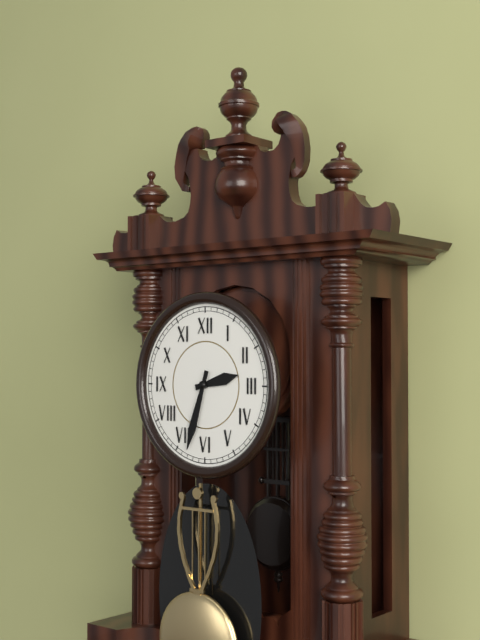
2:33
